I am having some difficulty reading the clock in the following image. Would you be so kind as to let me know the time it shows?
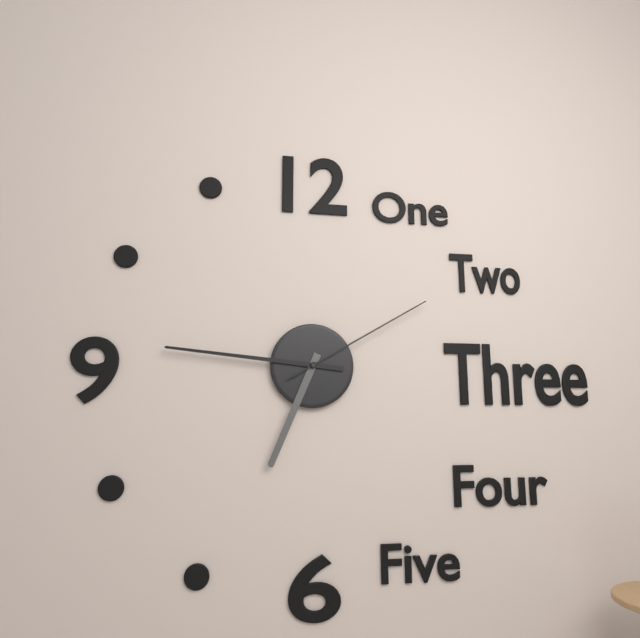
6:46:10
